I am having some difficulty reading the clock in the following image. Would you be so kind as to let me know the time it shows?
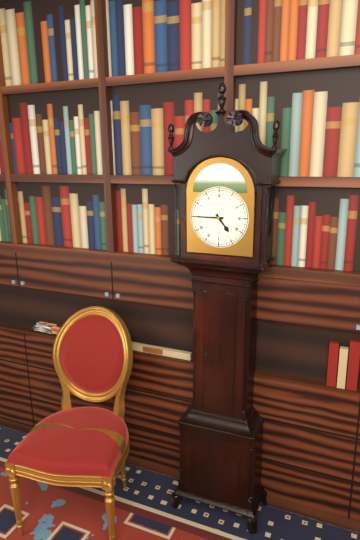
4:45
